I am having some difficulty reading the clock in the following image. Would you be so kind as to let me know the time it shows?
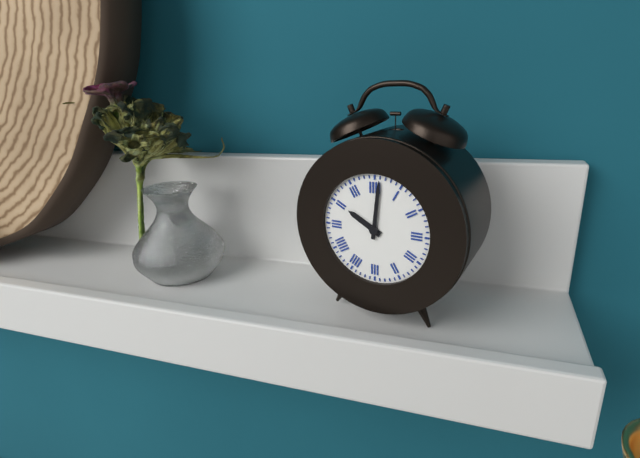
10:01
